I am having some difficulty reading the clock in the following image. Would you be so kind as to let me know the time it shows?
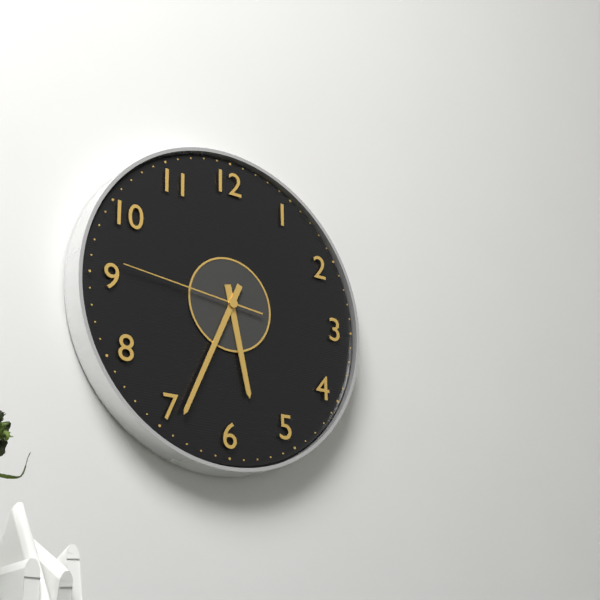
5:34:46
